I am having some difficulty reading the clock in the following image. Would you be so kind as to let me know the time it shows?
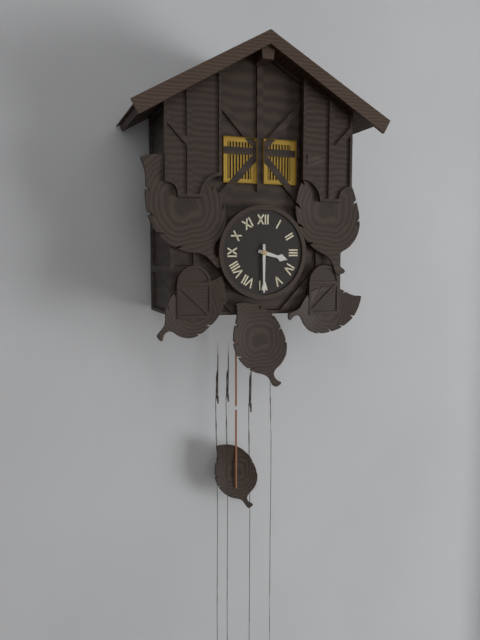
3:30
